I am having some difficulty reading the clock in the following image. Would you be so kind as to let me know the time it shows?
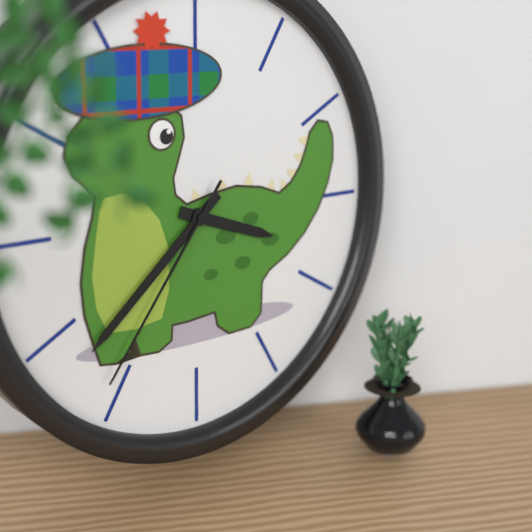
3:38:36
